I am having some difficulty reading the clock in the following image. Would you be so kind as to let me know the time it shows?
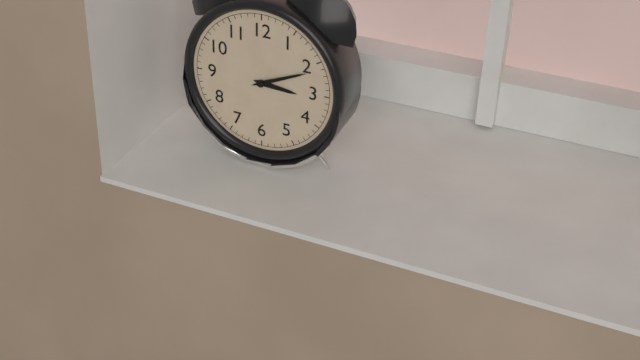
3:11
